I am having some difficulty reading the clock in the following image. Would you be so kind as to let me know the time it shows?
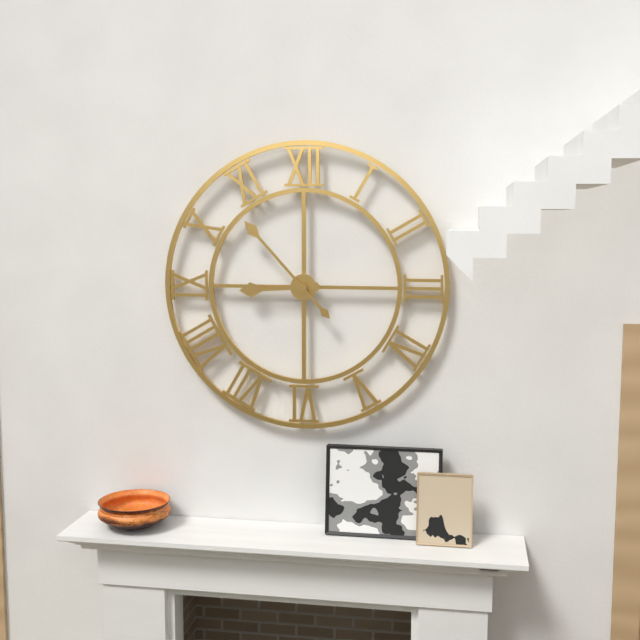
8:53
